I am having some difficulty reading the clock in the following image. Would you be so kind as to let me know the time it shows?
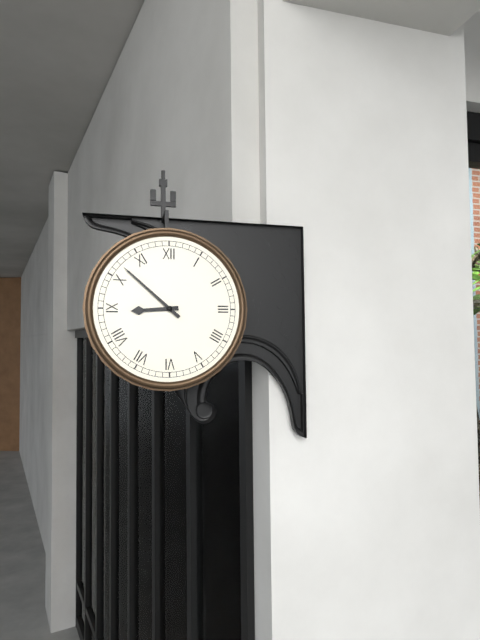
8:52
